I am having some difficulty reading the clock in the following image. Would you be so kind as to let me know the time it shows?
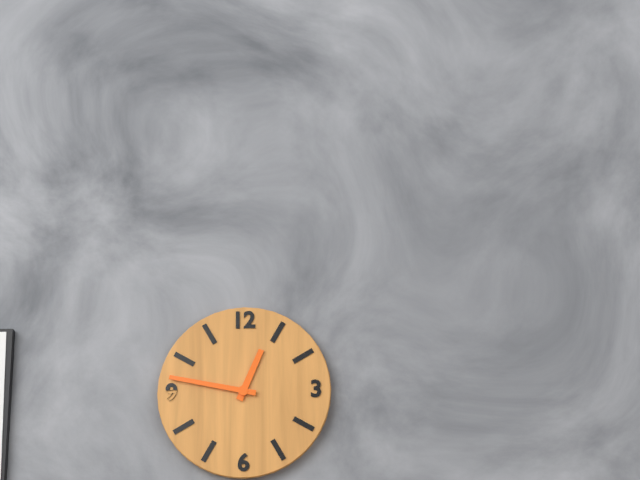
12:47
